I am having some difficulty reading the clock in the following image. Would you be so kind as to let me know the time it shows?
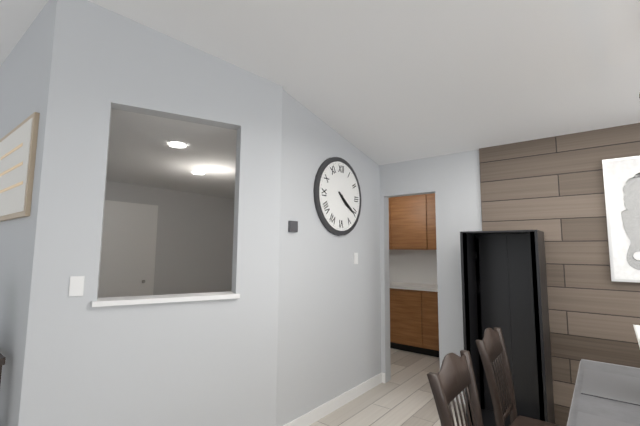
4:21
